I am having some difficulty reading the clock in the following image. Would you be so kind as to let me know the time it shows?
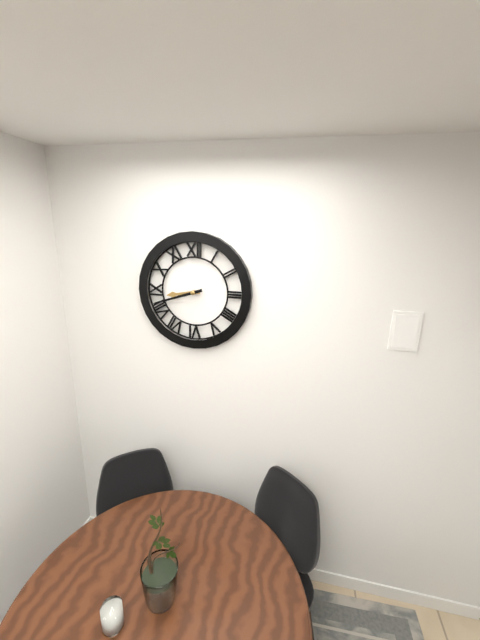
8:42
